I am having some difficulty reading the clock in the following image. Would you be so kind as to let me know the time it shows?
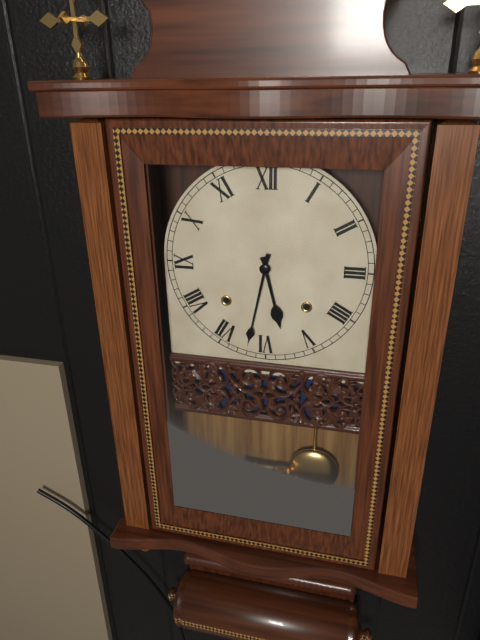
5:32
